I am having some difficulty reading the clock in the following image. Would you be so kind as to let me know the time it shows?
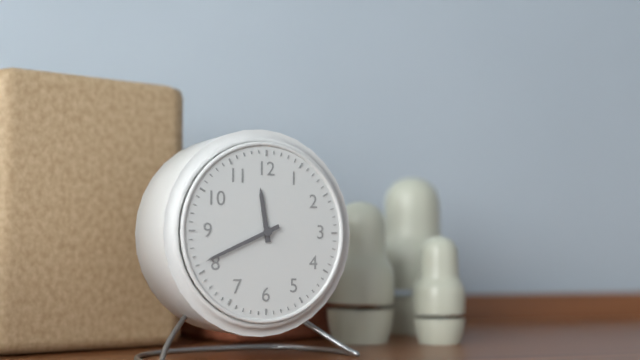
11:41
